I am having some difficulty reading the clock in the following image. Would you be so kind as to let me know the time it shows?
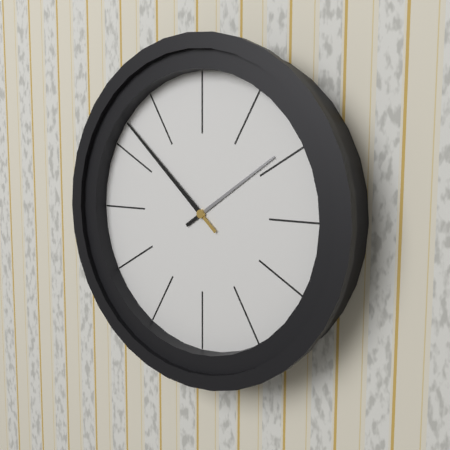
1:52
